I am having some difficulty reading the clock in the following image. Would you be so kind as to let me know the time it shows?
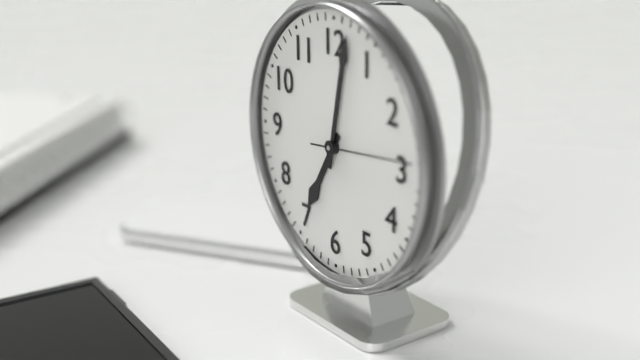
7:02:14
